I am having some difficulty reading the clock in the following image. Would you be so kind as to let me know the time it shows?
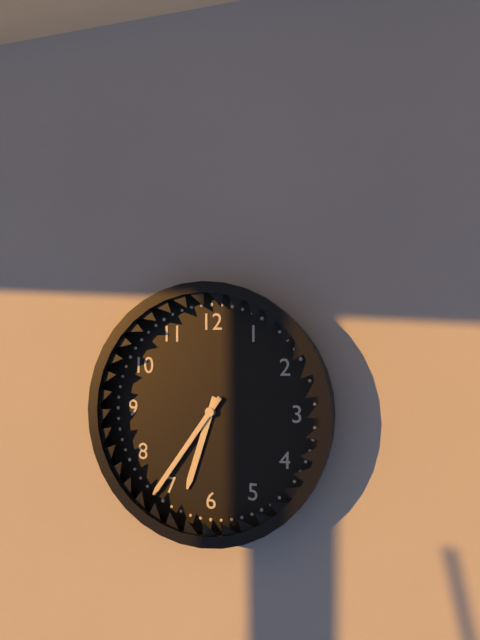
6:36
